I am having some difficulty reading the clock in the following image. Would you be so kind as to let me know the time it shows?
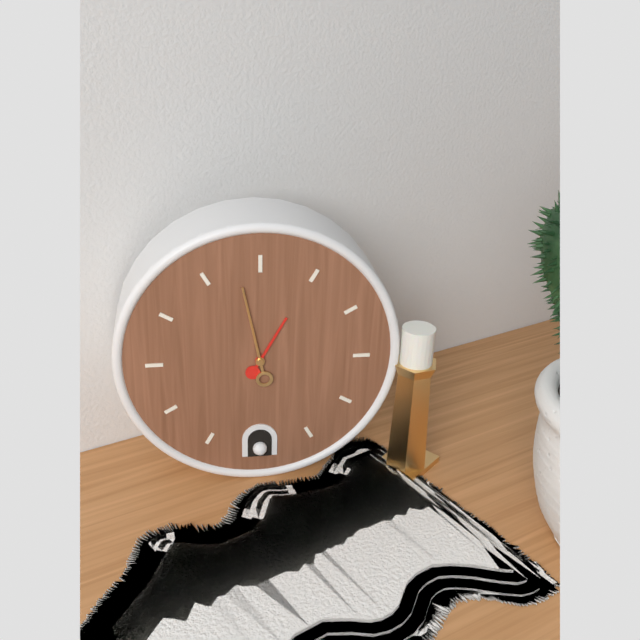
12:58
